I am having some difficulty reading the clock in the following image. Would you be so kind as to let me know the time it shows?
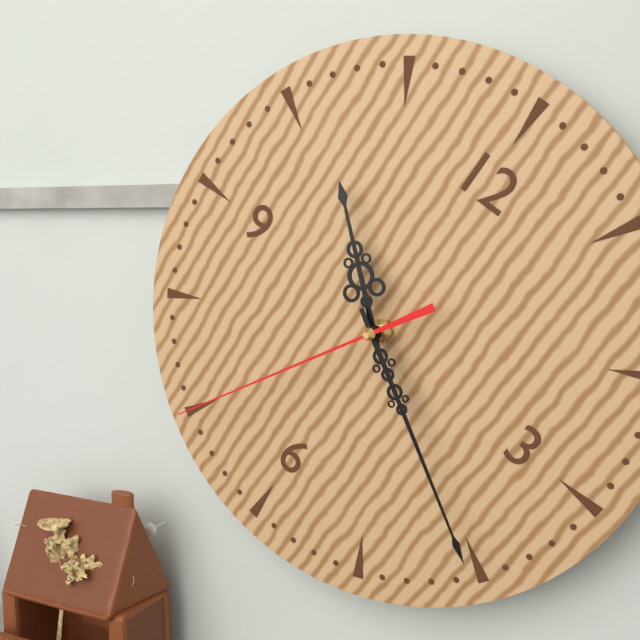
10:20:35
